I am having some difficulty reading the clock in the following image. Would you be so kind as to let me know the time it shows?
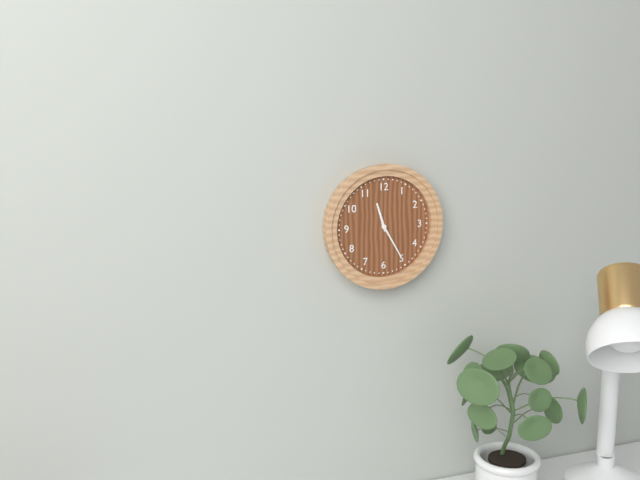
11:25
